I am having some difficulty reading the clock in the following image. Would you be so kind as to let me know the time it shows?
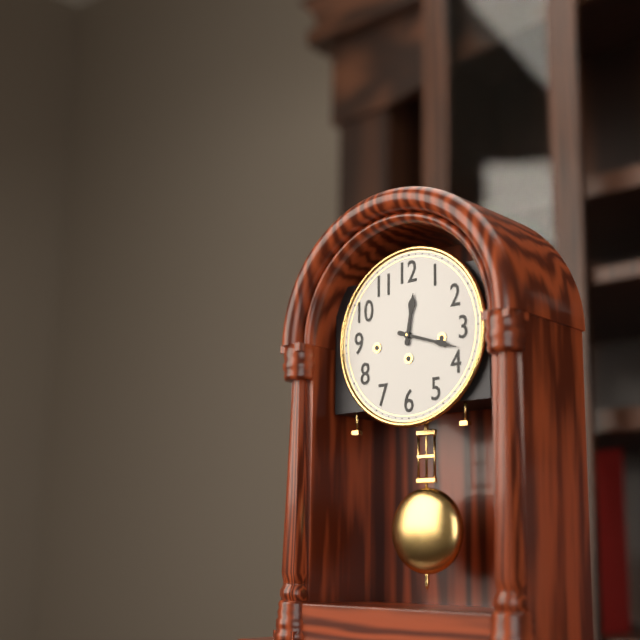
12:18
